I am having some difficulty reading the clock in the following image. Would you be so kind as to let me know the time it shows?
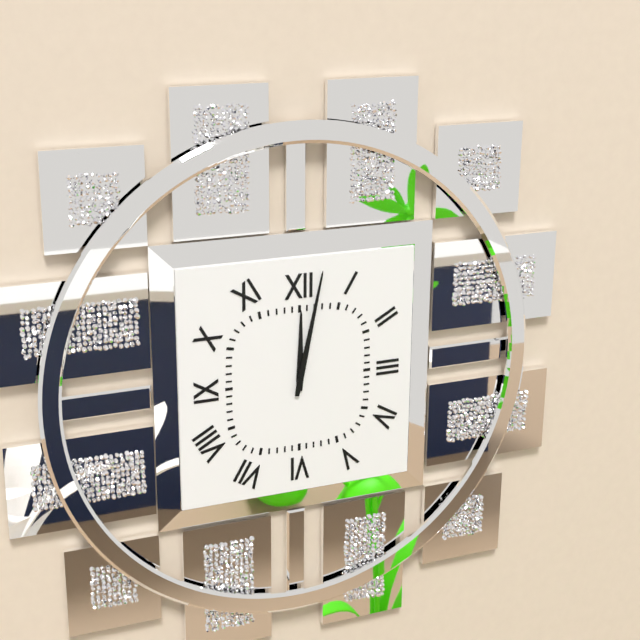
12:02
